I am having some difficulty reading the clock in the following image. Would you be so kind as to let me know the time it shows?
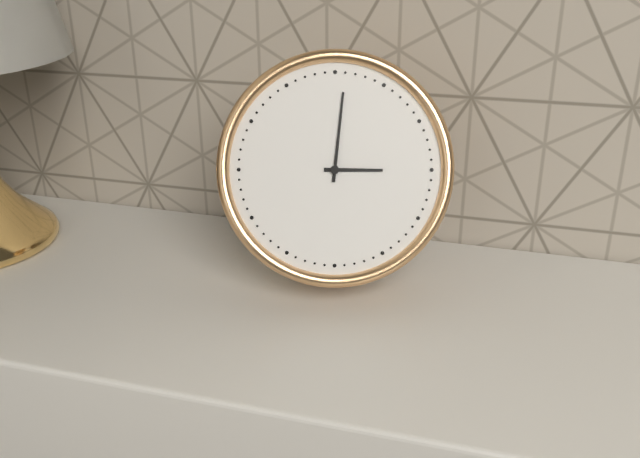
3:01
